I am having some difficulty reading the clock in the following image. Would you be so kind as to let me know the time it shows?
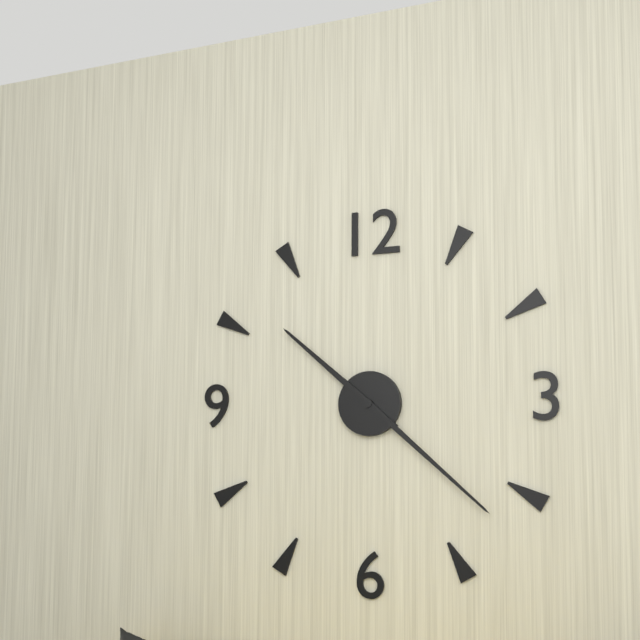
10:22
